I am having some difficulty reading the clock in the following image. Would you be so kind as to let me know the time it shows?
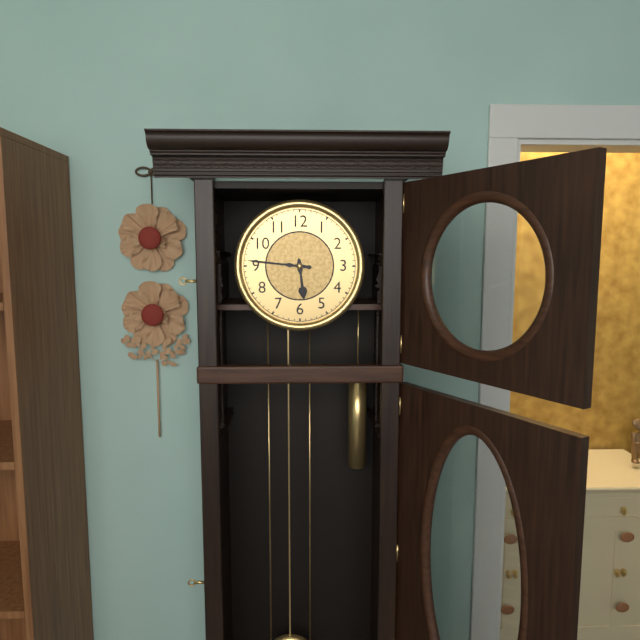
5:46
